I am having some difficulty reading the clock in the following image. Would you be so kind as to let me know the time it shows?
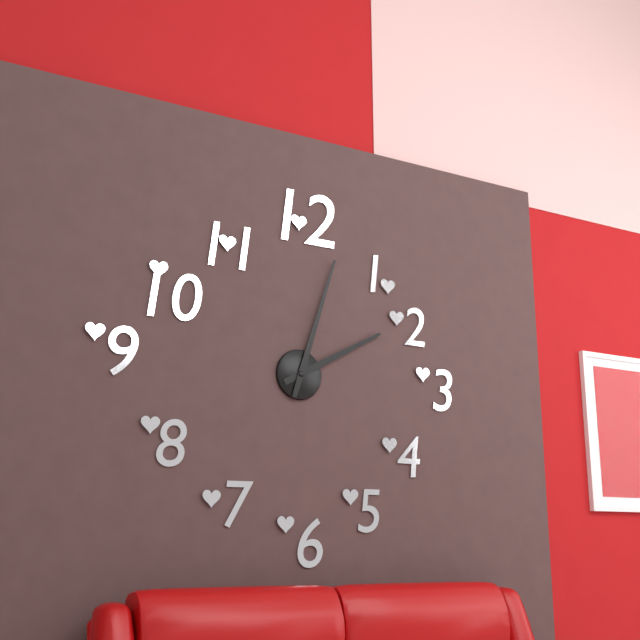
2:03
